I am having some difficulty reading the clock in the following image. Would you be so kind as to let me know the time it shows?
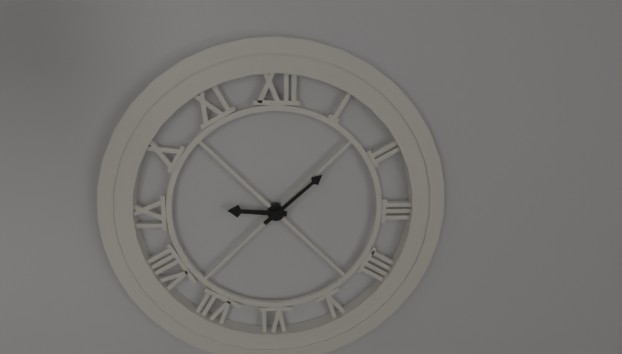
9:08
